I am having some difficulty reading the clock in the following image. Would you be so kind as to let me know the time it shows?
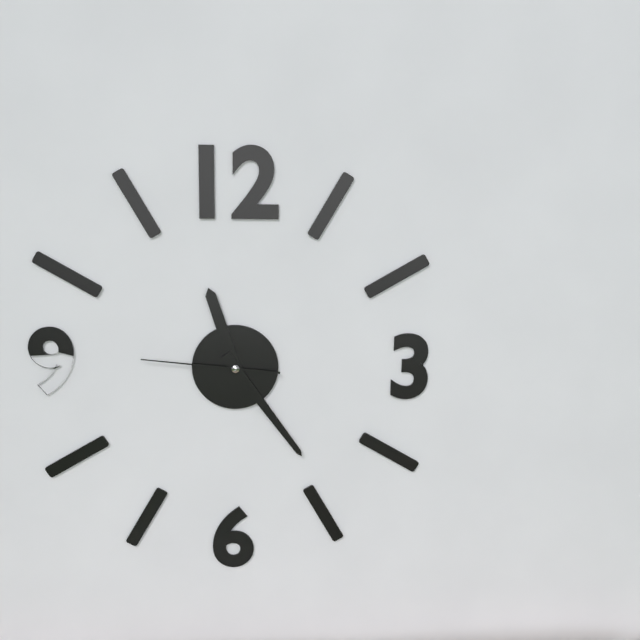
11:24:46
